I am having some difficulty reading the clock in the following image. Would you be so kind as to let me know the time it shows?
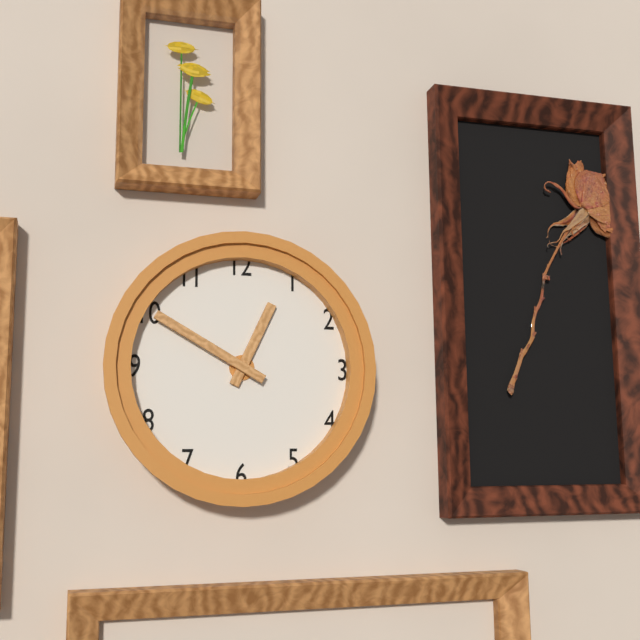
12:50
